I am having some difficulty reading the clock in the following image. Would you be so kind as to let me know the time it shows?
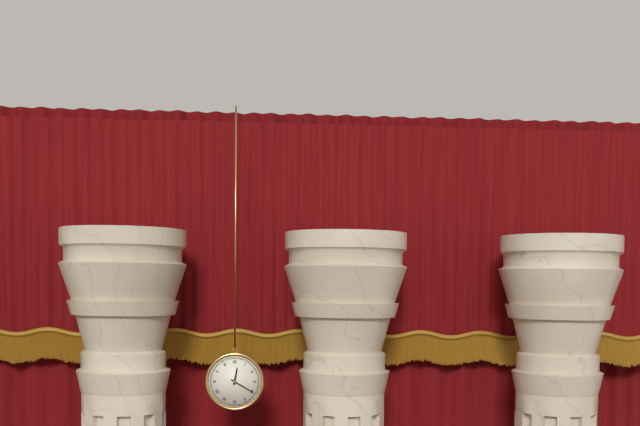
12:20
